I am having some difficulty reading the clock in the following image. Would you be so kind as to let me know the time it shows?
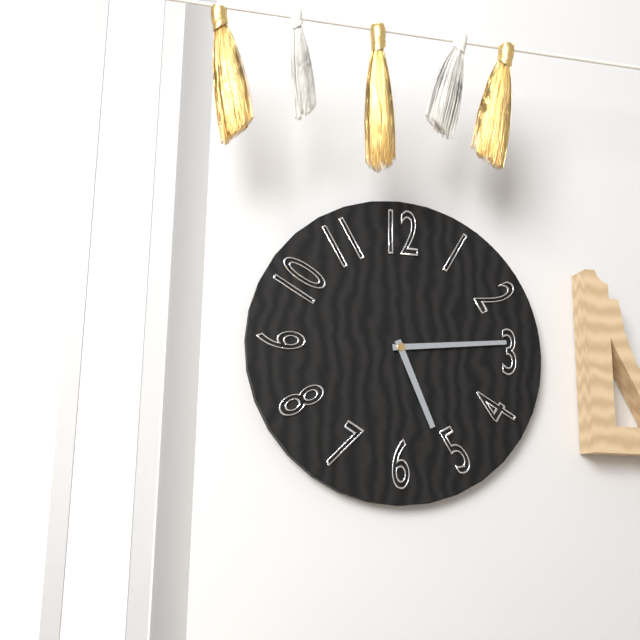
5:14
